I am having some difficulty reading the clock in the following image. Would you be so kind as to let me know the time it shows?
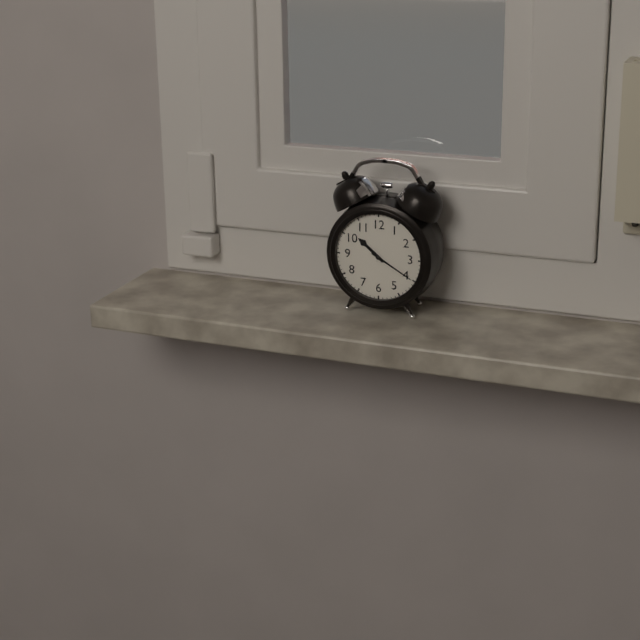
10:20
